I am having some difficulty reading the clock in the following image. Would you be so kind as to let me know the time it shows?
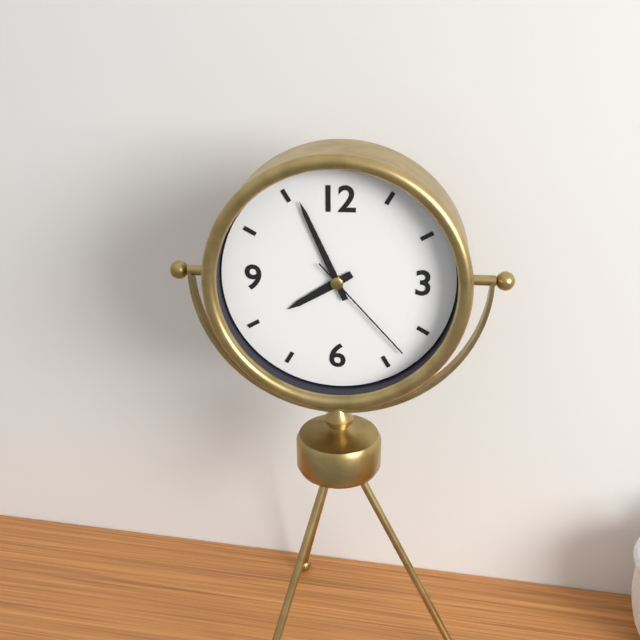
7:56:23
